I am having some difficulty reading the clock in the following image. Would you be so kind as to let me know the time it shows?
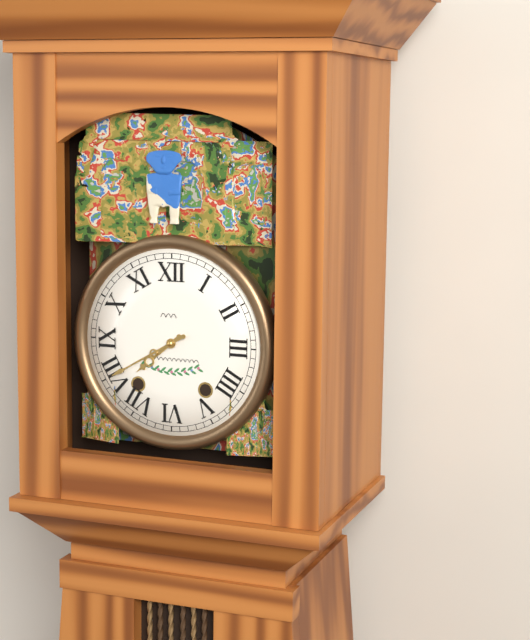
7:40
